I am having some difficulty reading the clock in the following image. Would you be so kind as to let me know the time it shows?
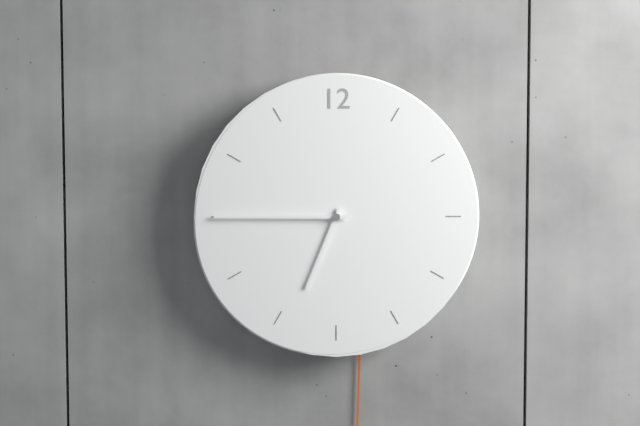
6:45
